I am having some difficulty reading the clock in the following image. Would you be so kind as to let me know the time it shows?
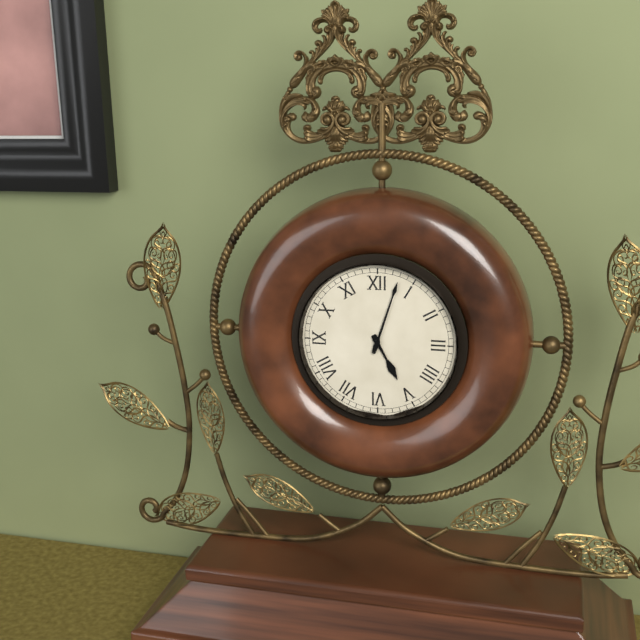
5:03
